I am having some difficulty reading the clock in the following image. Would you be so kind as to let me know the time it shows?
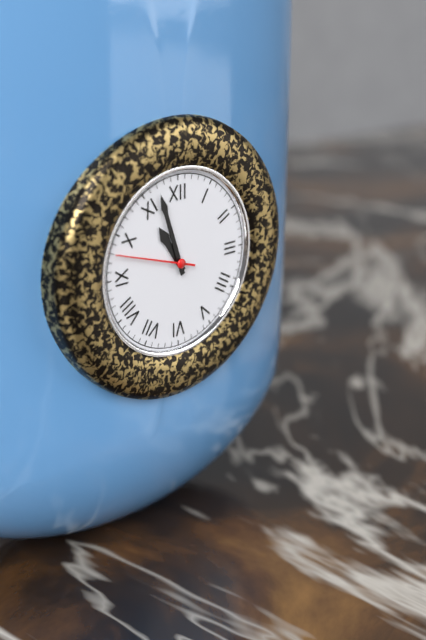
10:57:48
